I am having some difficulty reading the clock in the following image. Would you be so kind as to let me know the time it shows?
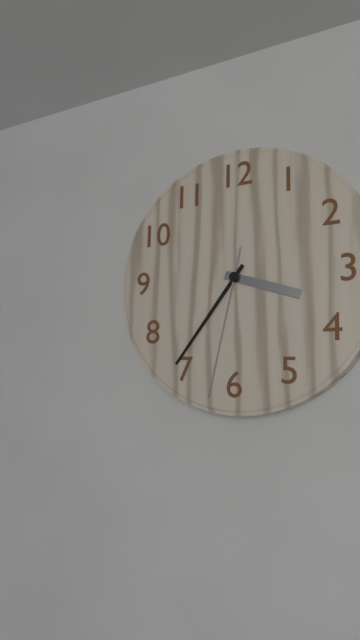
3:36:32
